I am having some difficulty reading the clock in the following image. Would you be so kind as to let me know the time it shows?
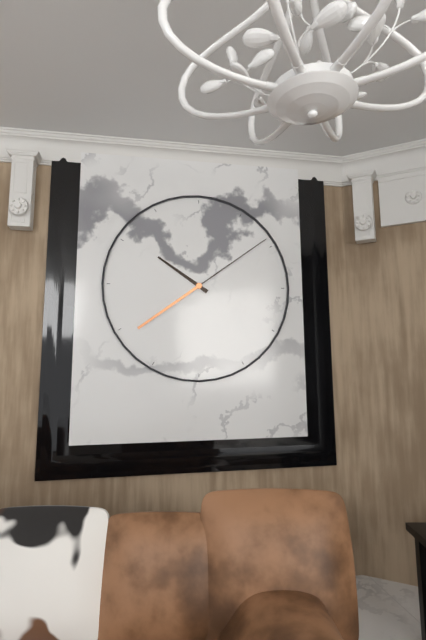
10:09
